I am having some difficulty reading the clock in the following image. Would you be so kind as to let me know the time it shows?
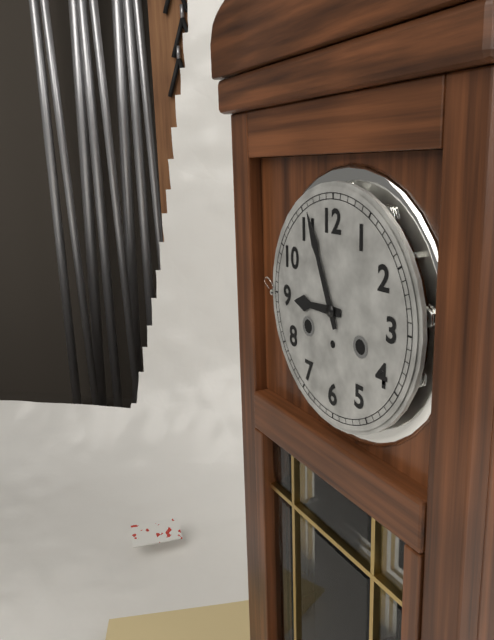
8:56
